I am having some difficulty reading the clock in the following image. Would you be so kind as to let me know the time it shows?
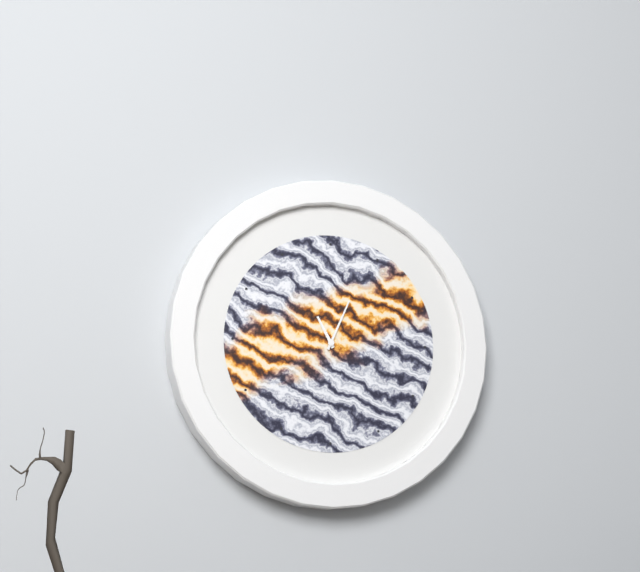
11:04
